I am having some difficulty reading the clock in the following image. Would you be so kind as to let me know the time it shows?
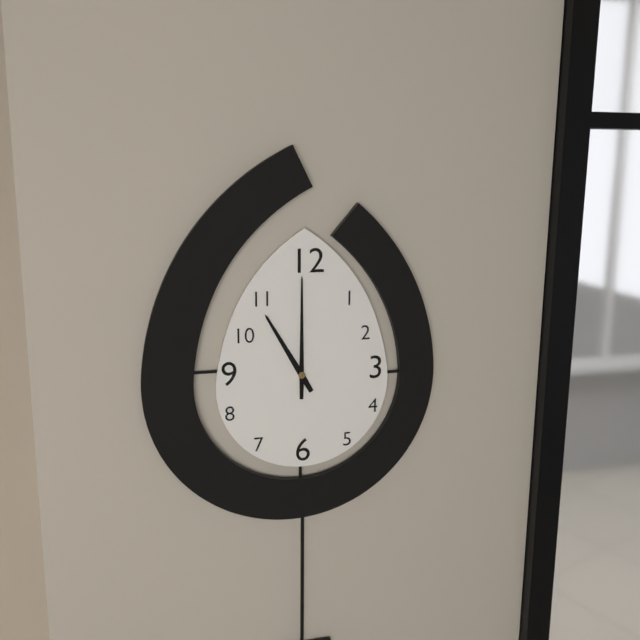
11:00
